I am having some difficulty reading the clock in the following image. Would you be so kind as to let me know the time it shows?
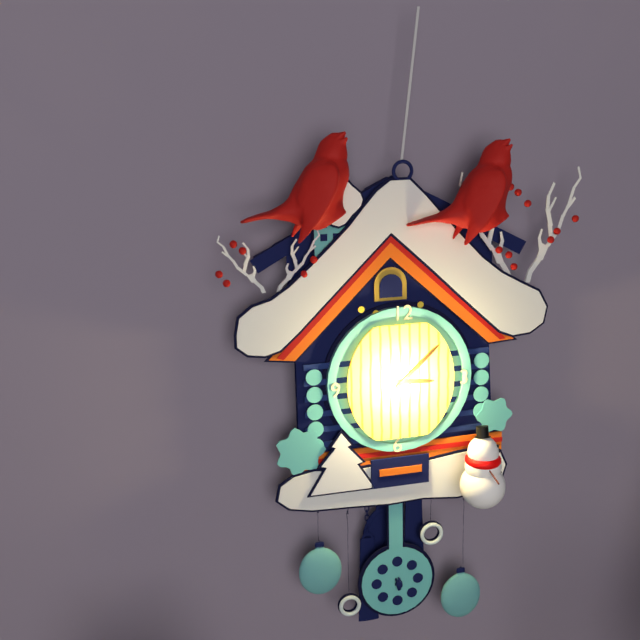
3:08
